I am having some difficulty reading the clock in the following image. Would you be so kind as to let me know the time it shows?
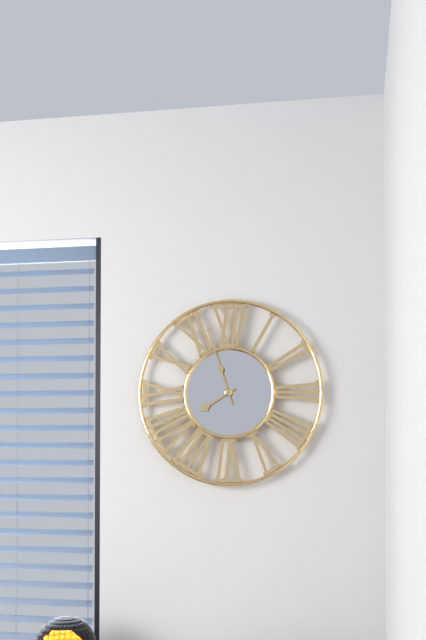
7:57
